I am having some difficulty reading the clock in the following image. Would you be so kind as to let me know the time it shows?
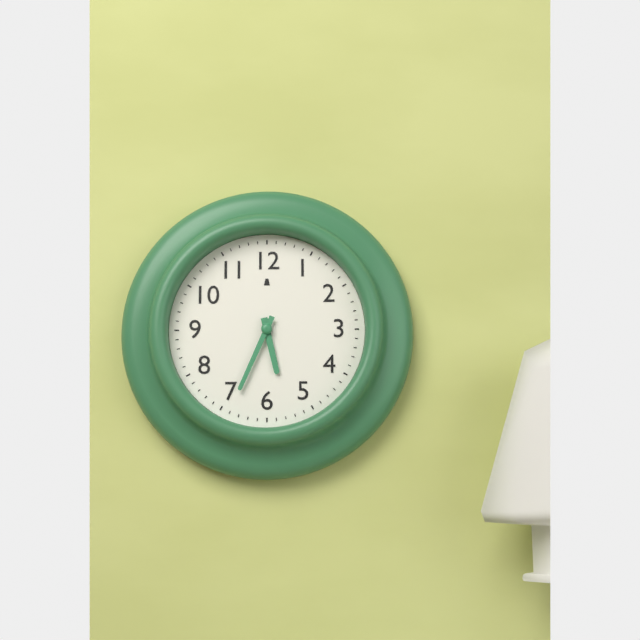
5:34
